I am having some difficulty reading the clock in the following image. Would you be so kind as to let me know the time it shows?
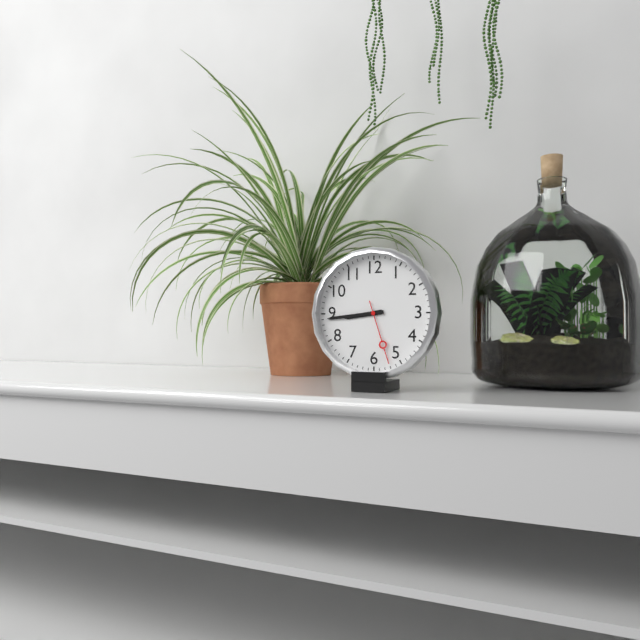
8:44:27
